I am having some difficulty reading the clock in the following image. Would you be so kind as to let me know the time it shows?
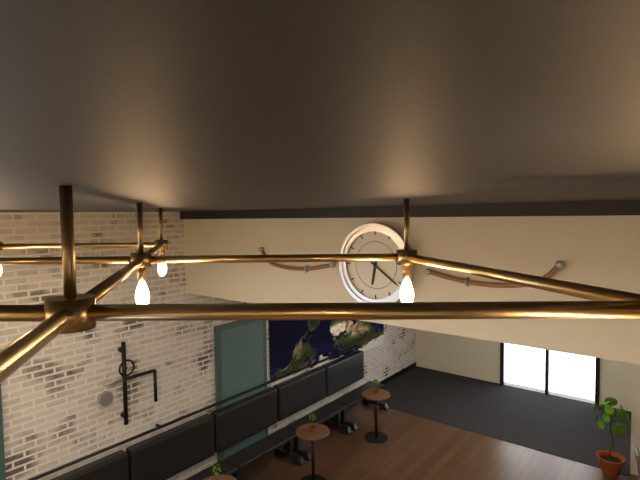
6:21
